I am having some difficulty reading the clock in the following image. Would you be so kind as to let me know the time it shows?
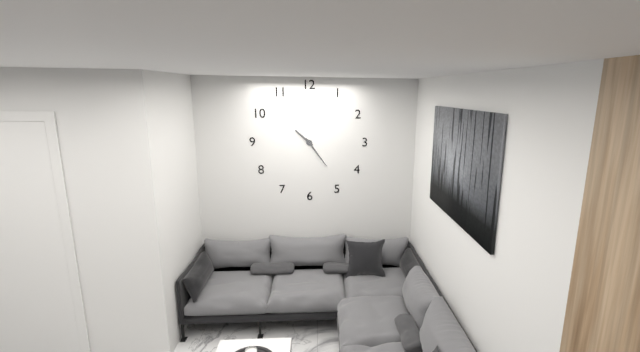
10:24
